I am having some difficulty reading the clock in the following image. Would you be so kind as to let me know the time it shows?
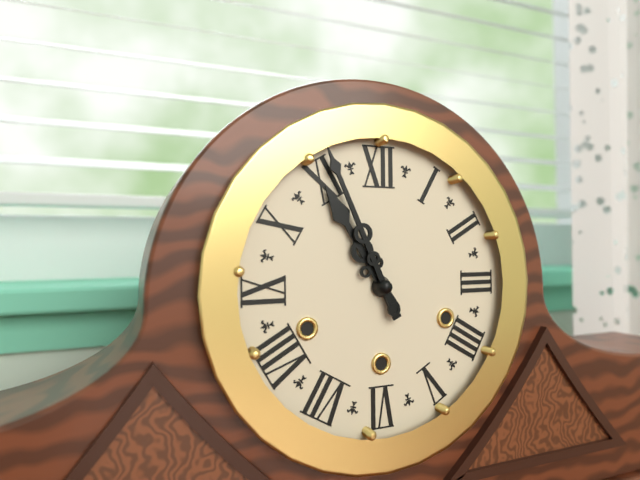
10:56
